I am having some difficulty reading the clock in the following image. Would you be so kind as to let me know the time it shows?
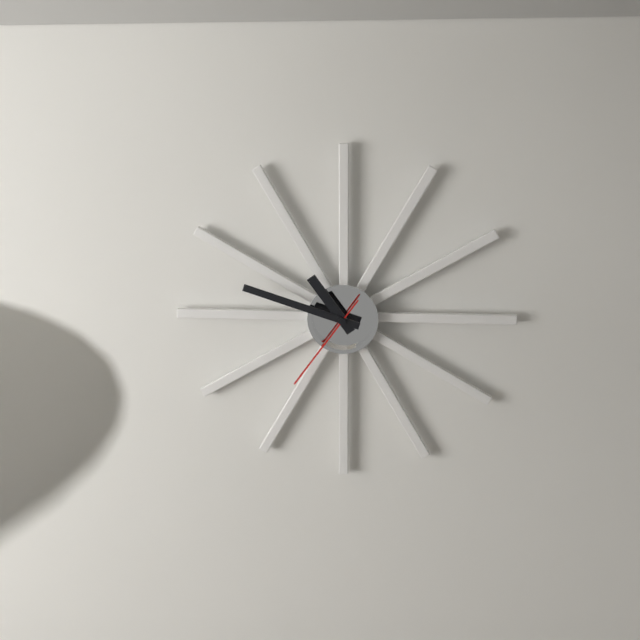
10:48:36
